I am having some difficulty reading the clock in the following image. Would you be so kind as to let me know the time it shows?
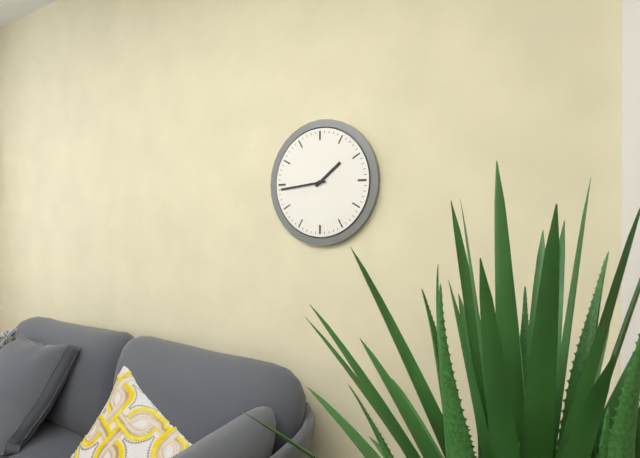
1:44
